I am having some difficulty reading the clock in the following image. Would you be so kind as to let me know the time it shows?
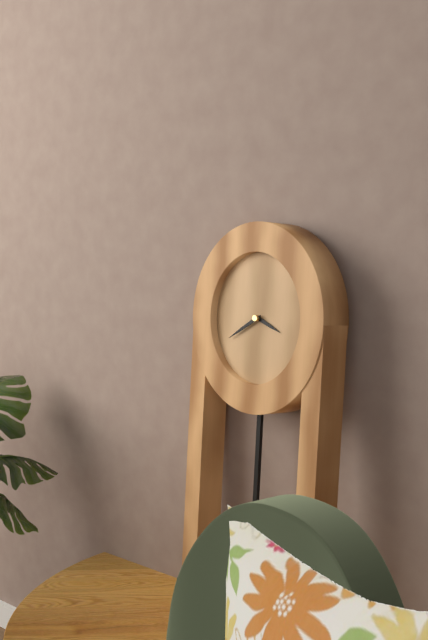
3:40
